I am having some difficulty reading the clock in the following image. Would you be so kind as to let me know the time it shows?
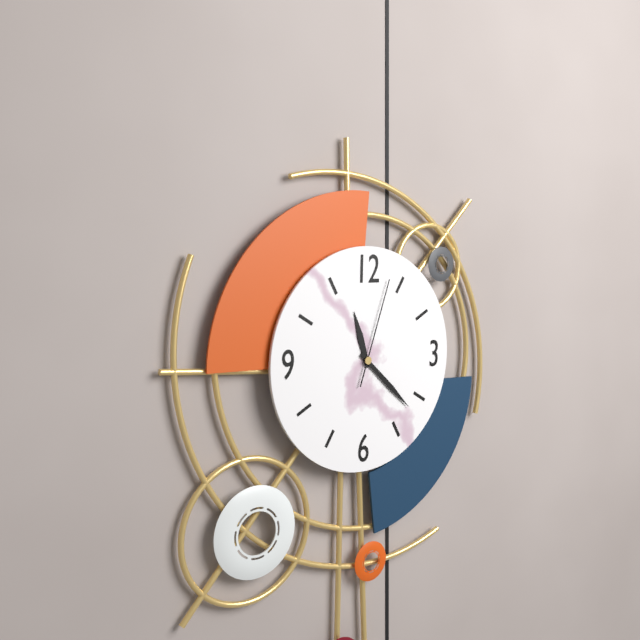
11:22:03
